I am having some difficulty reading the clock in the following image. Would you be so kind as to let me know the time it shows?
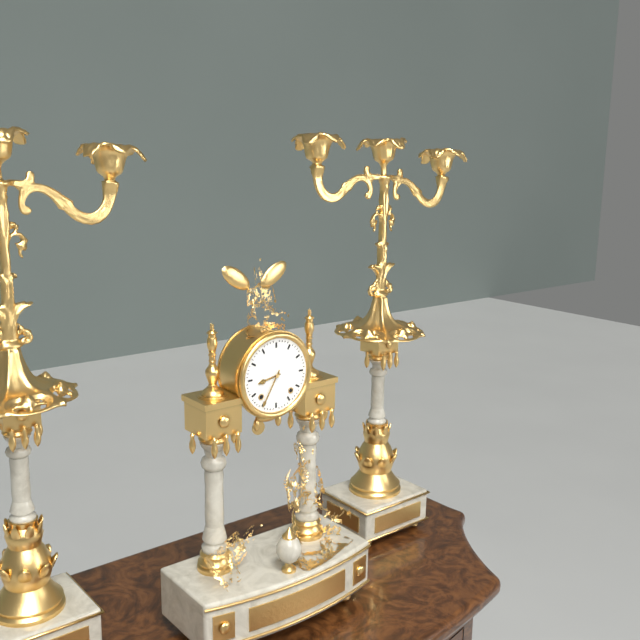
8:35
